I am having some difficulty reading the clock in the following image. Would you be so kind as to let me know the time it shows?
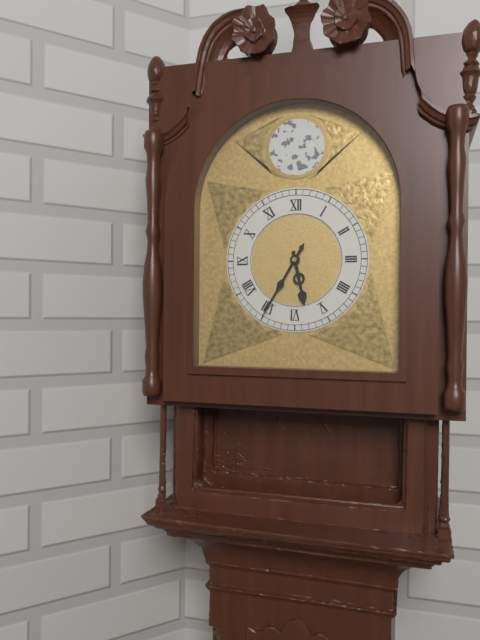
5:35
